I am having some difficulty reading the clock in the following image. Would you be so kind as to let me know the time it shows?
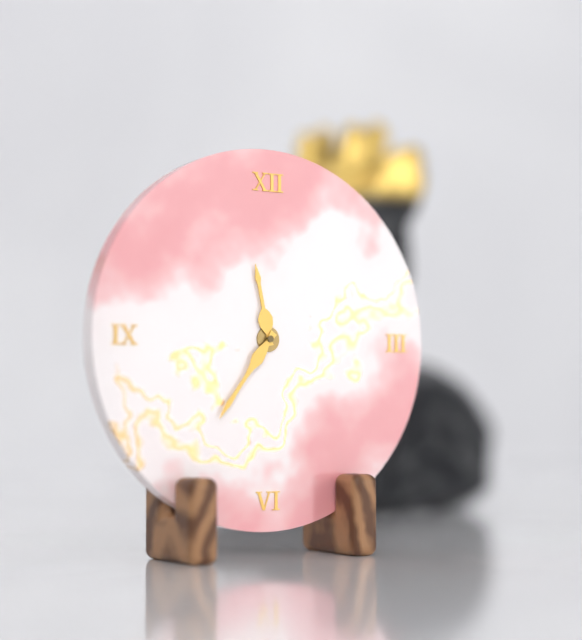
11:36
